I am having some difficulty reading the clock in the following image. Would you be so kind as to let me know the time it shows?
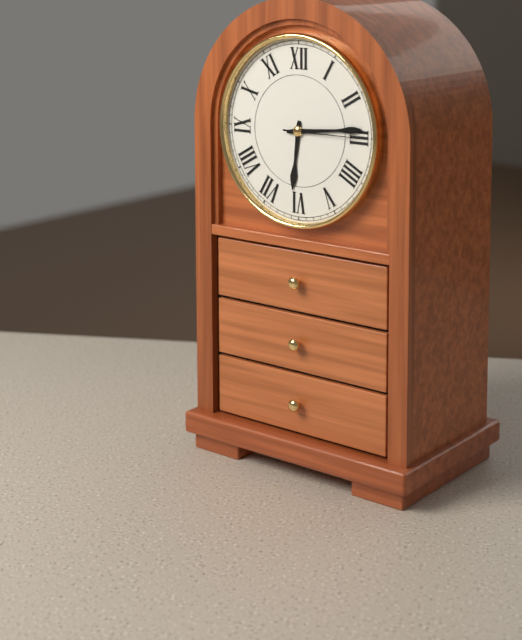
6:14:15
